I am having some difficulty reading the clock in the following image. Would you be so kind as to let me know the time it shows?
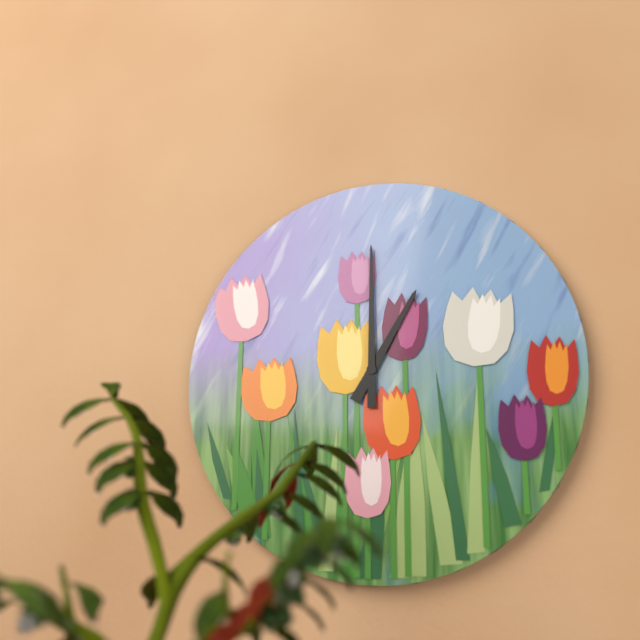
1:00
